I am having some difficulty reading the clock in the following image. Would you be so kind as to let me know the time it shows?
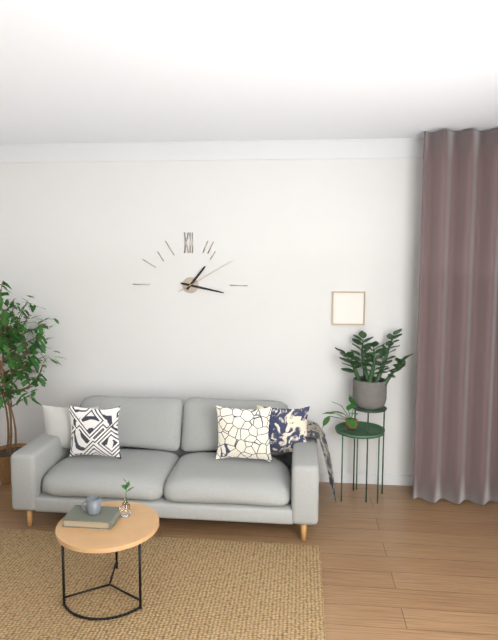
1:17:10
